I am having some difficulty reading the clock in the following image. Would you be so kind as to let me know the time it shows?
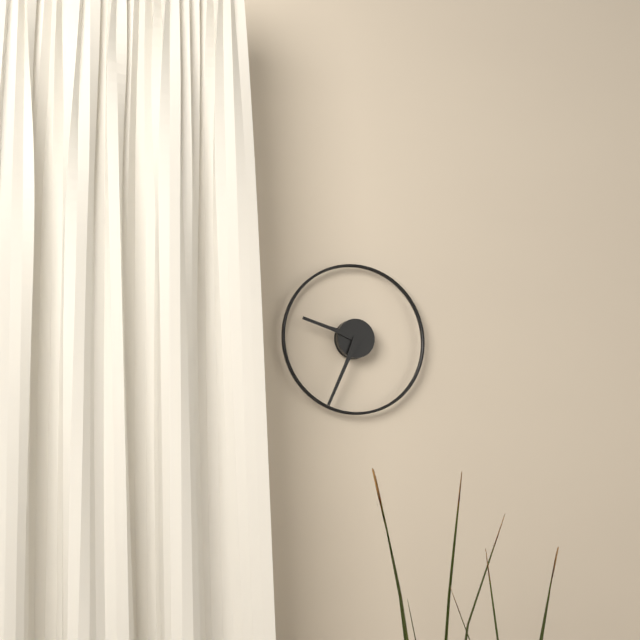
9:34
